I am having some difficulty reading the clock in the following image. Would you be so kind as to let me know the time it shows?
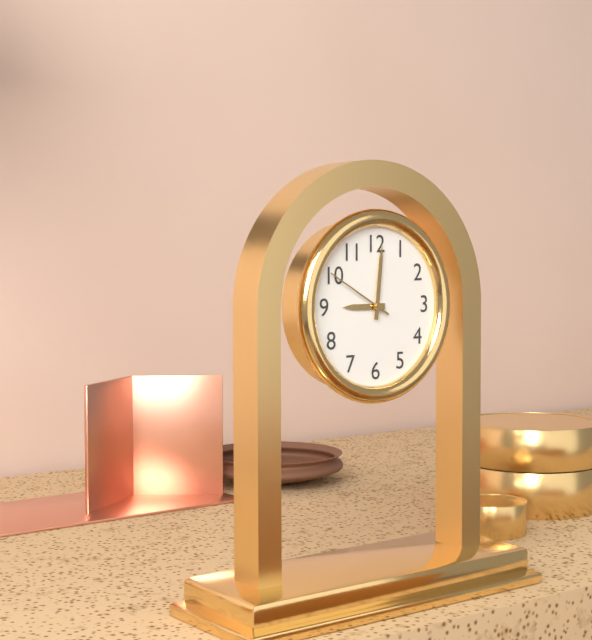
9:01:50
